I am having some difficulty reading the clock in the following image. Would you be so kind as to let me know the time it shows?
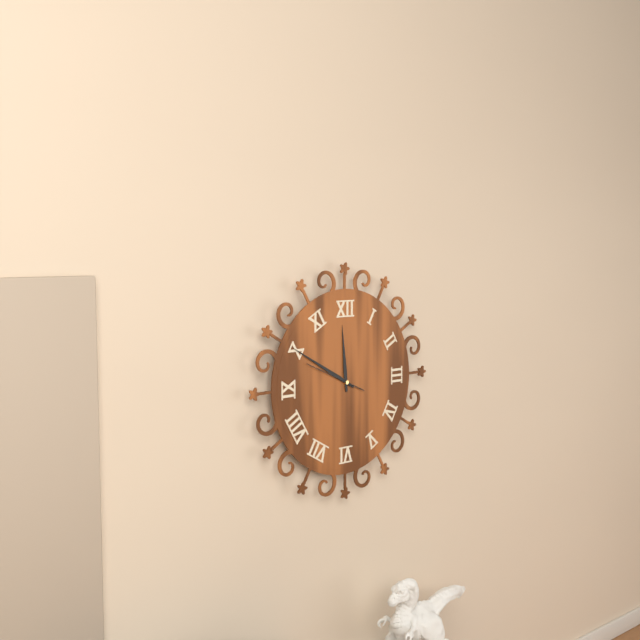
11:50:49
